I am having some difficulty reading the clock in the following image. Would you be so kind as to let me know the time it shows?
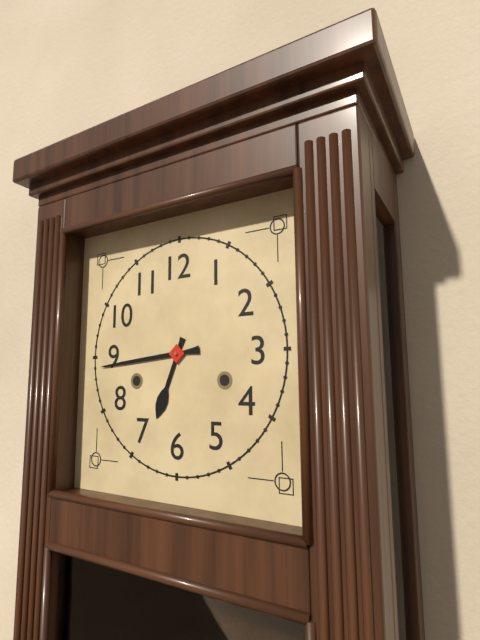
6:44
